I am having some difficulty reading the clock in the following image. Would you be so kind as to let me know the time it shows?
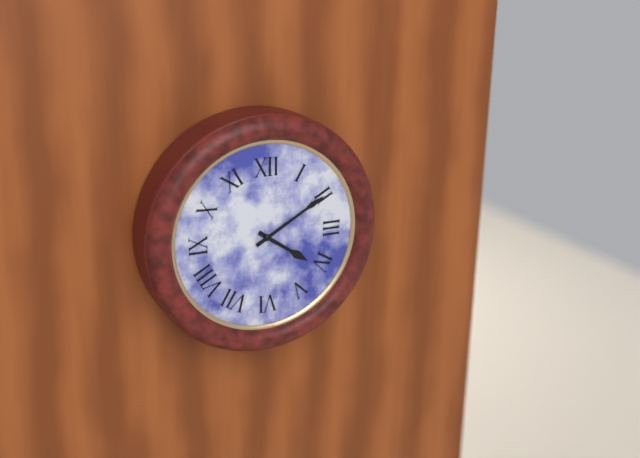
4:10
